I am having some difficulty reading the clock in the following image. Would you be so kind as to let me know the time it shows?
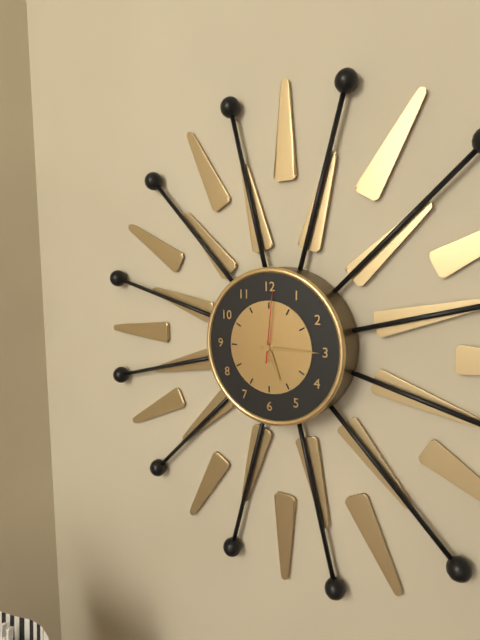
5:15:01
